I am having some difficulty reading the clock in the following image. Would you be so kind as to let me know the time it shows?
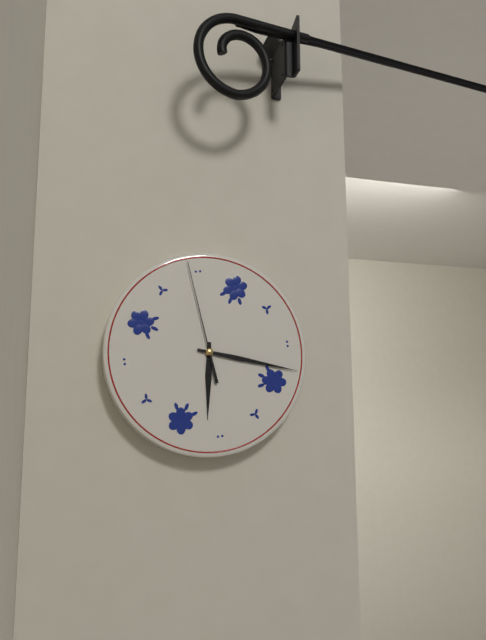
6:18:59
